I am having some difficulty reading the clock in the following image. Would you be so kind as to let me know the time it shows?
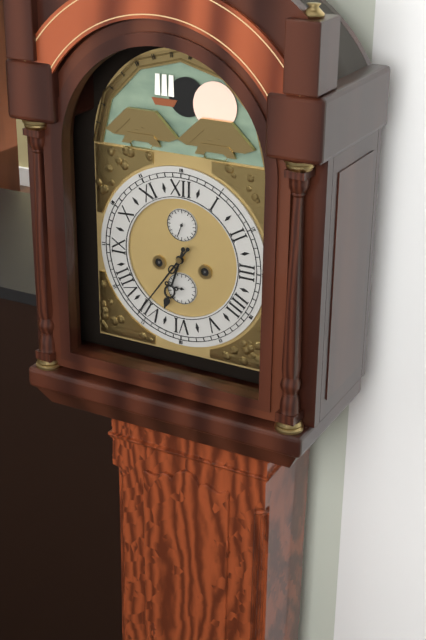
6:36
